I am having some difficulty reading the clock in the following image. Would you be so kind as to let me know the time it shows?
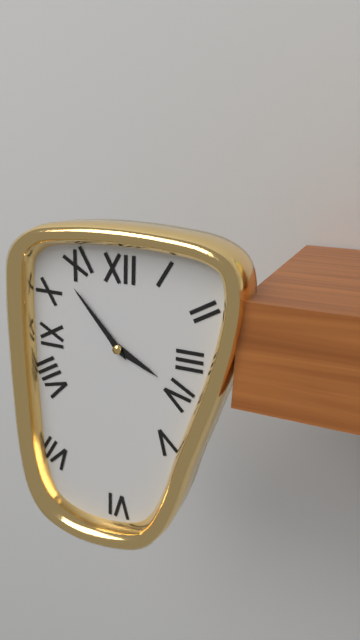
3:53
